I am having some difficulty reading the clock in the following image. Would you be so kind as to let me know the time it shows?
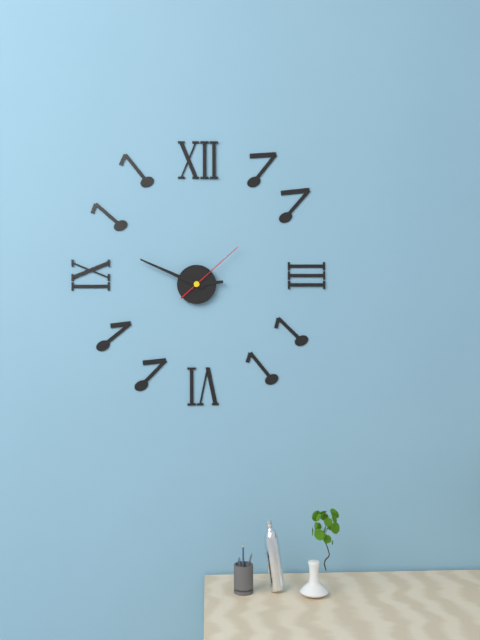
2:49:08
